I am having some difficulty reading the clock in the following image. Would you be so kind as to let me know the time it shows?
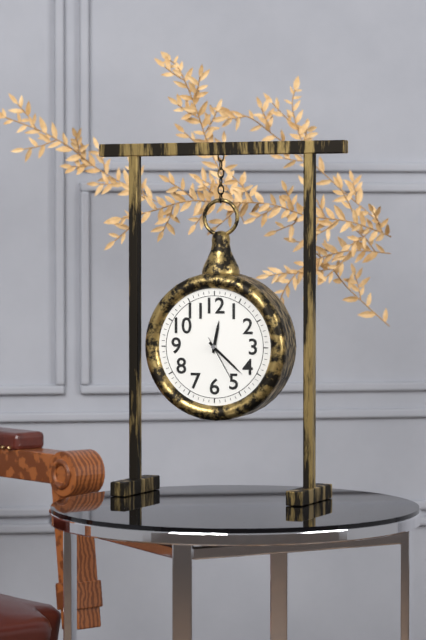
12:22:25
